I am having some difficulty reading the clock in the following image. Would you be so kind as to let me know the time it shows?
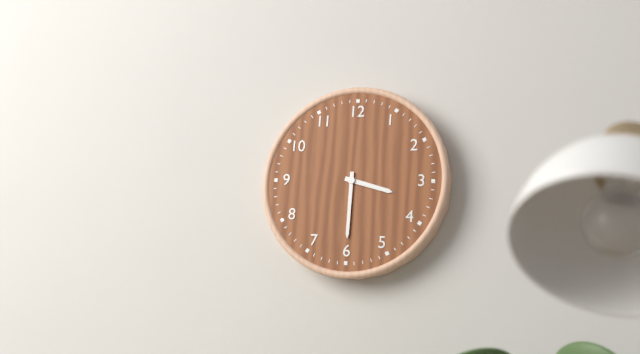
3:30
